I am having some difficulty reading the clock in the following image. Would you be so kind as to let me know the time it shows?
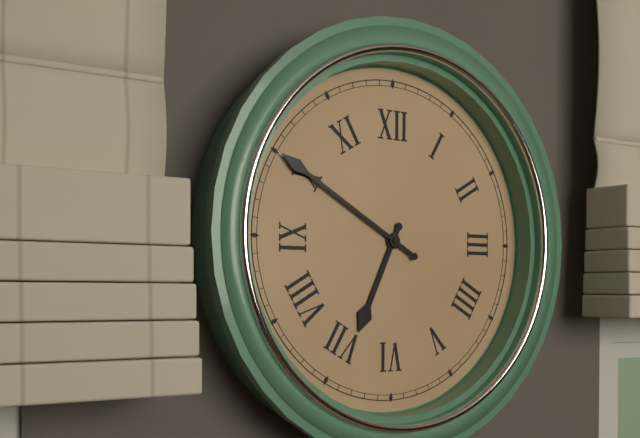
6:50
